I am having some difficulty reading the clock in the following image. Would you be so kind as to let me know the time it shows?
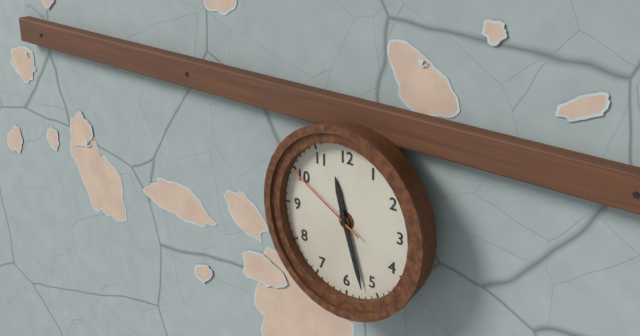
11:27:50
